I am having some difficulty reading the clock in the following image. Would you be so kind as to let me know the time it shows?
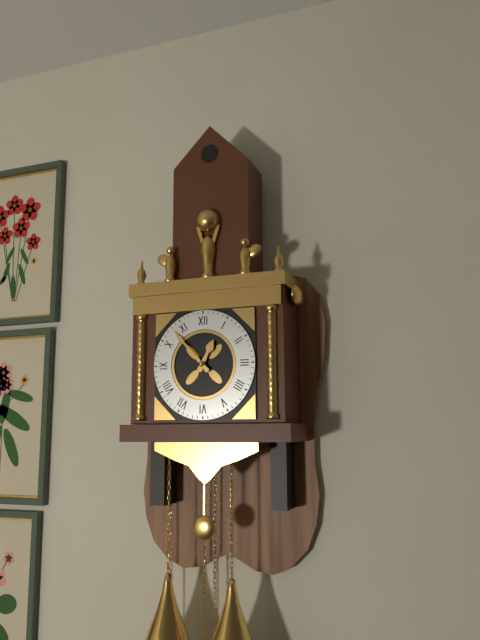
12:53
